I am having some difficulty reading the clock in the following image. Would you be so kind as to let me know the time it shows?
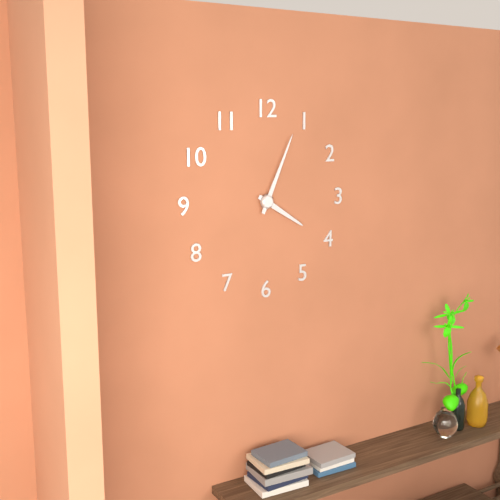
4:04
